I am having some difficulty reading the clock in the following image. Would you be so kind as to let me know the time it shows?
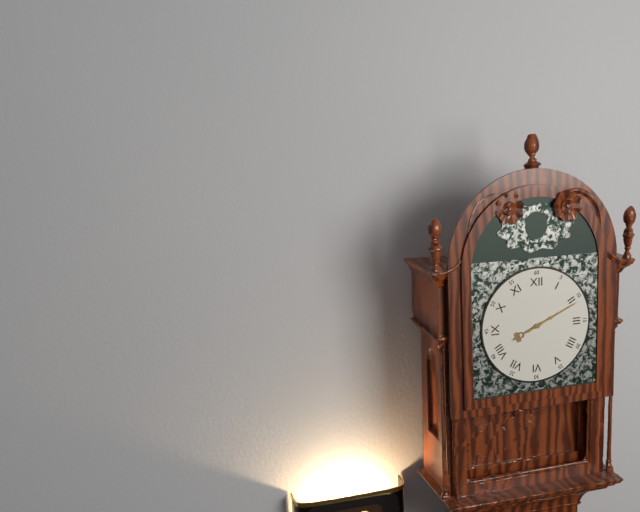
8:11
